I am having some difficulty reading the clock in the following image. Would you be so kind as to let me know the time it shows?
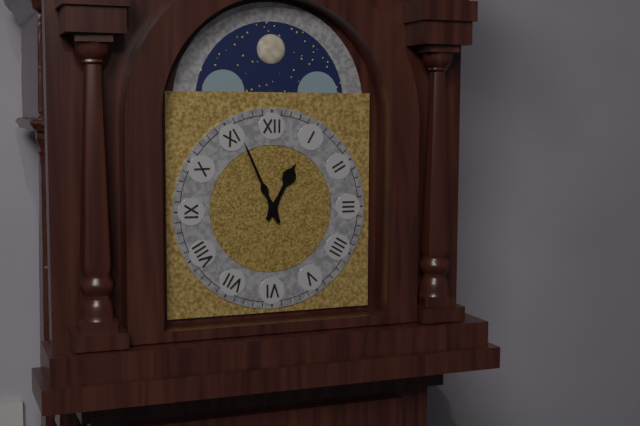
12:56
